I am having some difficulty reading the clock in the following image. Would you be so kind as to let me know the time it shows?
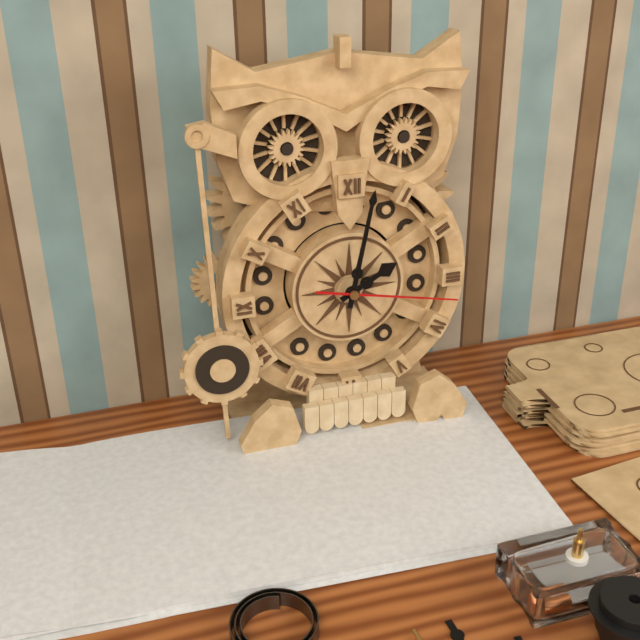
2:02:17
